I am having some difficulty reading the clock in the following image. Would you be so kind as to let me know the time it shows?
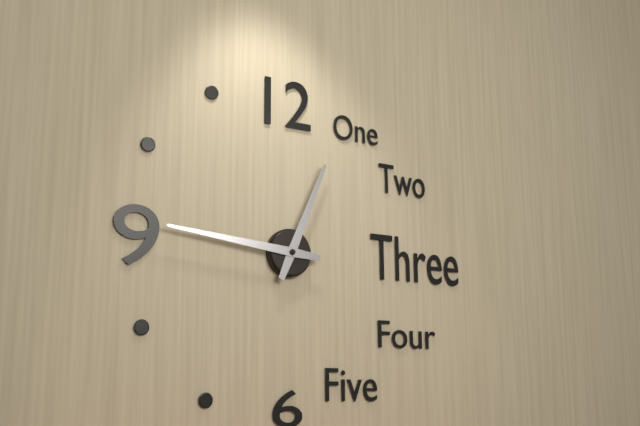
12:46
